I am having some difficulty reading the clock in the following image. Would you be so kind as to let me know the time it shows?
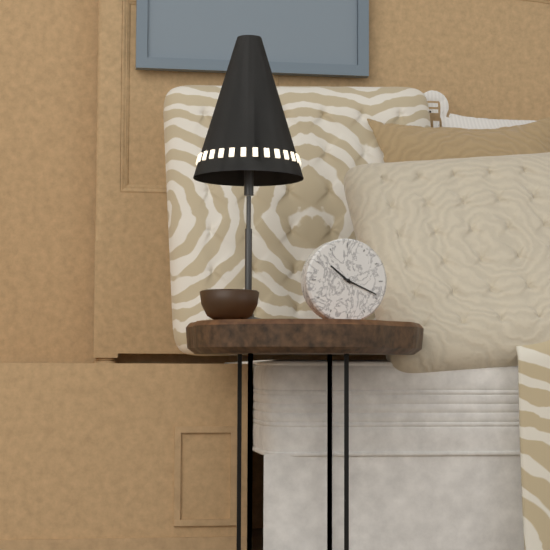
10:19
